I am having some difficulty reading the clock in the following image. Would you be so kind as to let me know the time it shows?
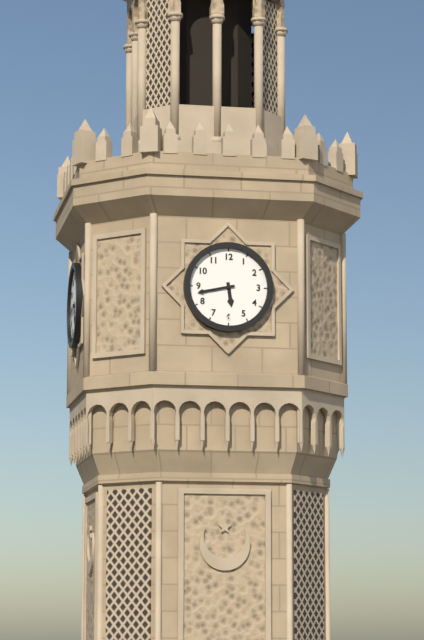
5:43
